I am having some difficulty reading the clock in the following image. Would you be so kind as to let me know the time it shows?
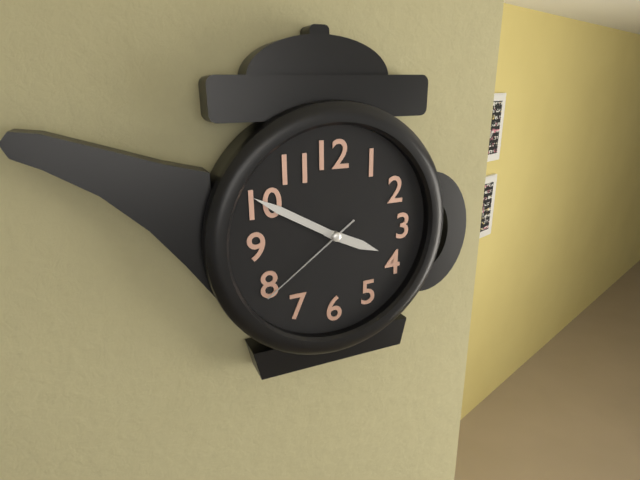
3:50:39
